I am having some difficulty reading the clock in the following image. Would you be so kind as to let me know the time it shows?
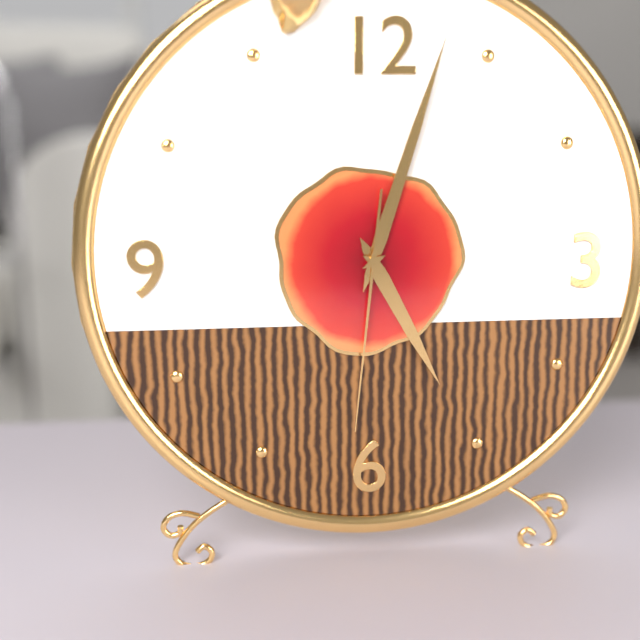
5:03:31
